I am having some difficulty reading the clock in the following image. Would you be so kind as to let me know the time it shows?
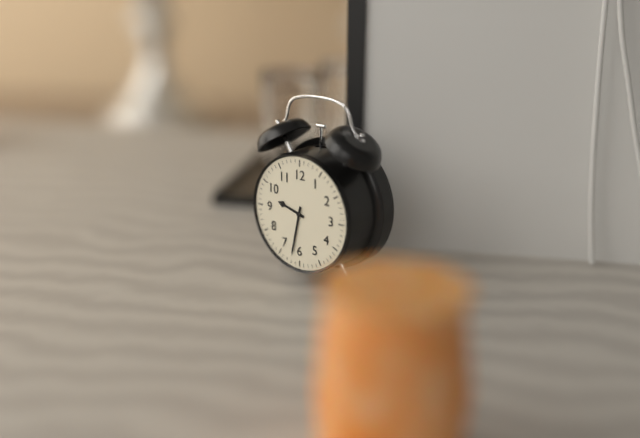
9:32
